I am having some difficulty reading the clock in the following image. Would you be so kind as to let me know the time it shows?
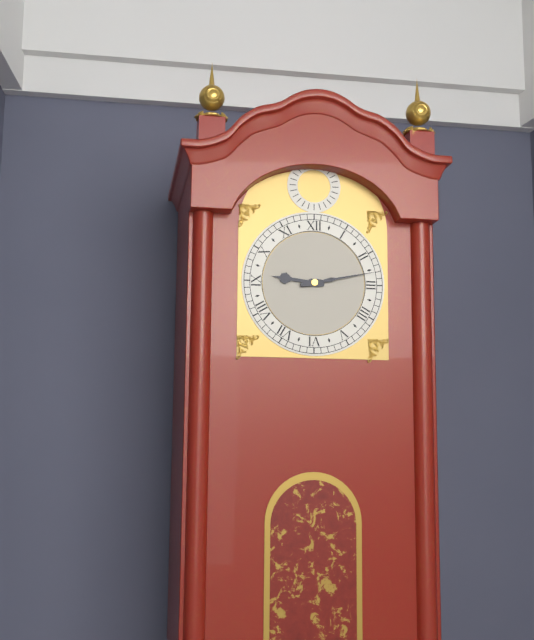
9:13
